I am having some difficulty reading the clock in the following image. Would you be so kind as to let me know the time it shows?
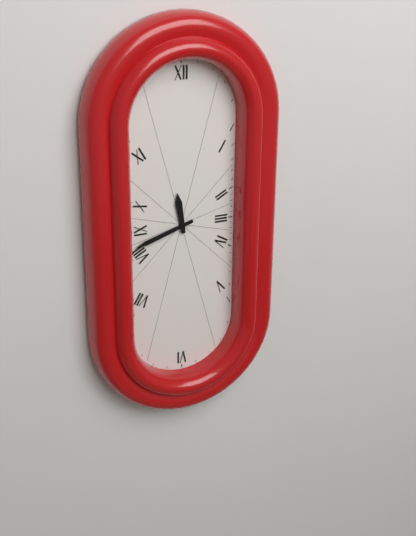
11:42
